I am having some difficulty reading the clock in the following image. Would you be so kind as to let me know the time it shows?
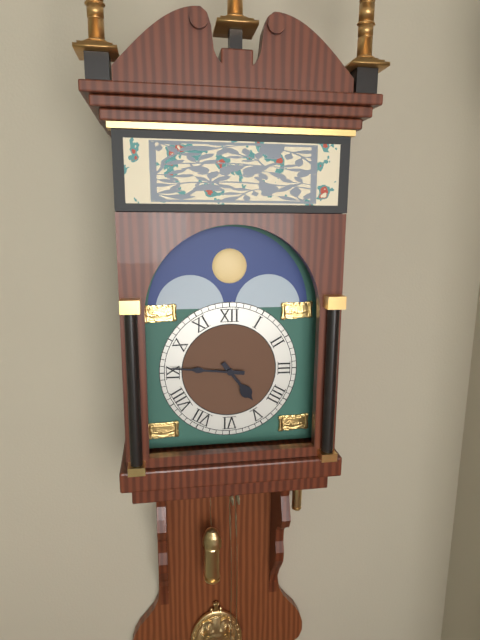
4:46
